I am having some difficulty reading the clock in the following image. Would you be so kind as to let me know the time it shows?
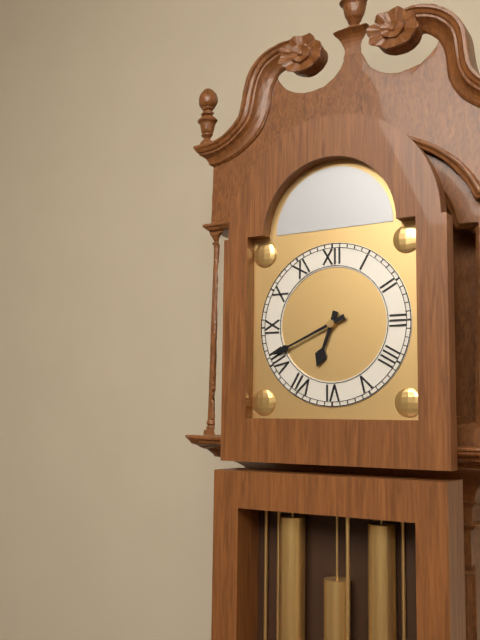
6:41
